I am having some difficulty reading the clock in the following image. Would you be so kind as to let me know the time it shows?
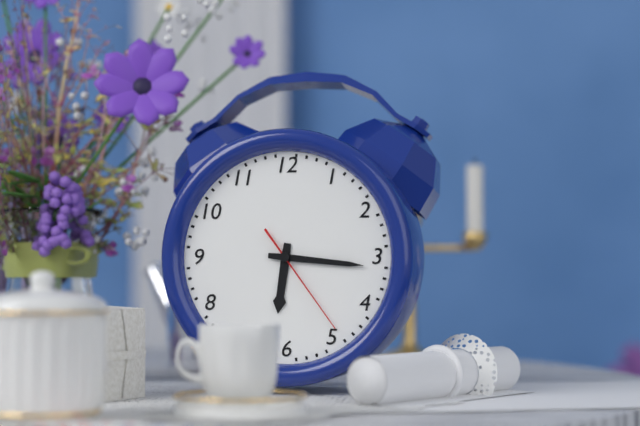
6:16:24
